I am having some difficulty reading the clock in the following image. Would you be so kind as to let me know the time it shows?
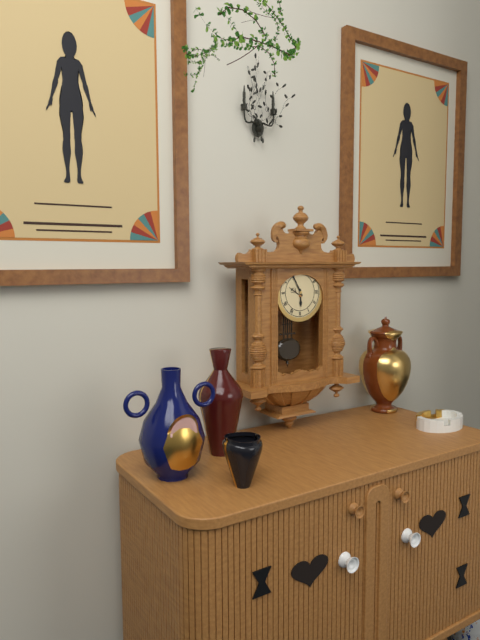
5:55
